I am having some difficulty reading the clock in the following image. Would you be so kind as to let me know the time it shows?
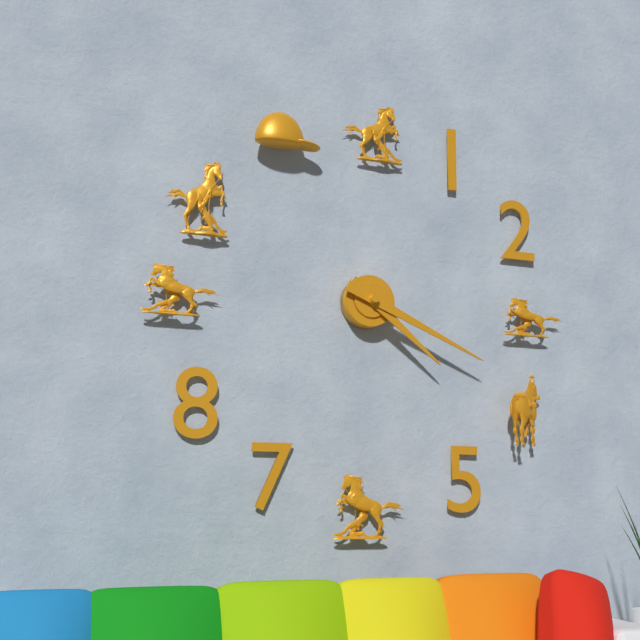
4:19
